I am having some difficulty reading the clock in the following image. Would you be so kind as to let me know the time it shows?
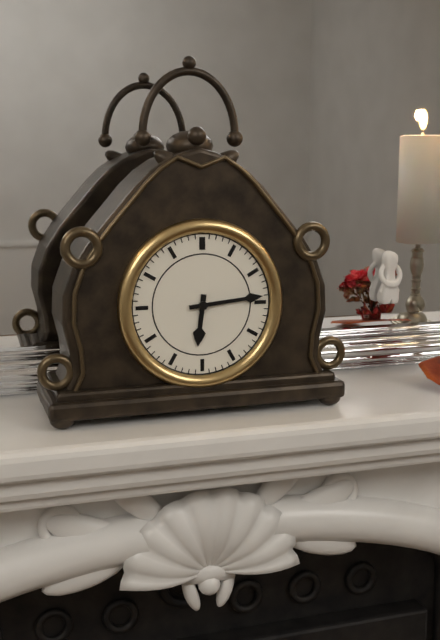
6:14
